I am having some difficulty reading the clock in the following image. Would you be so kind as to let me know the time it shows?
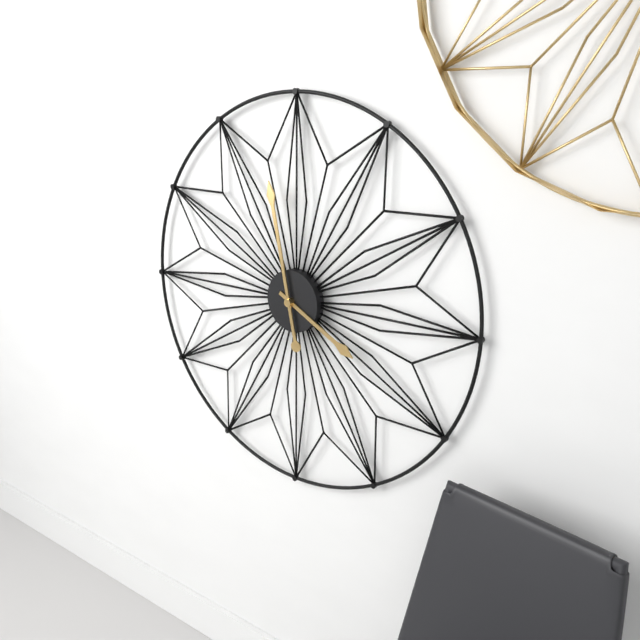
3:58
